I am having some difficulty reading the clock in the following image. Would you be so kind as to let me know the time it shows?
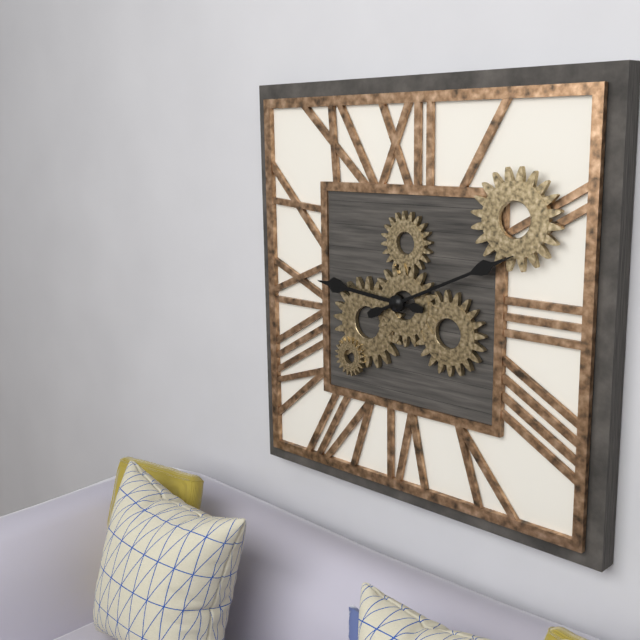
9:11
